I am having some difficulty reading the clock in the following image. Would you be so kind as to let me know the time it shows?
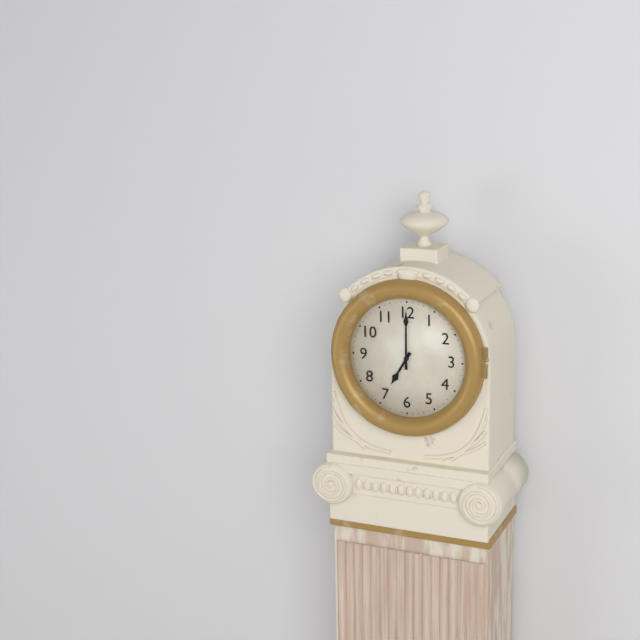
7:00
